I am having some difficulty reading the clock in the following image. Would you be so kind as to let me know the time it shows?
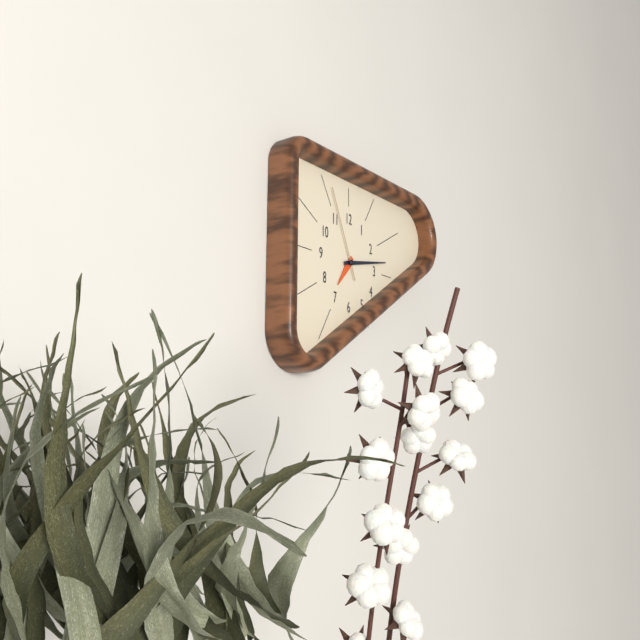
7:13:56
